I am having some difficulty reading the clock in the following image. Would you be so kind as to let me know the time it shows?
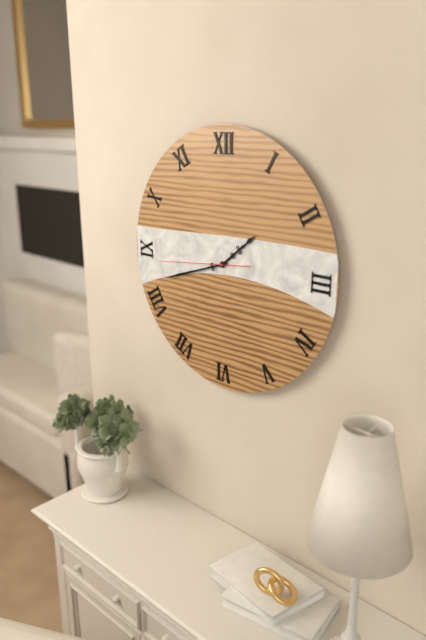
1:42:44
